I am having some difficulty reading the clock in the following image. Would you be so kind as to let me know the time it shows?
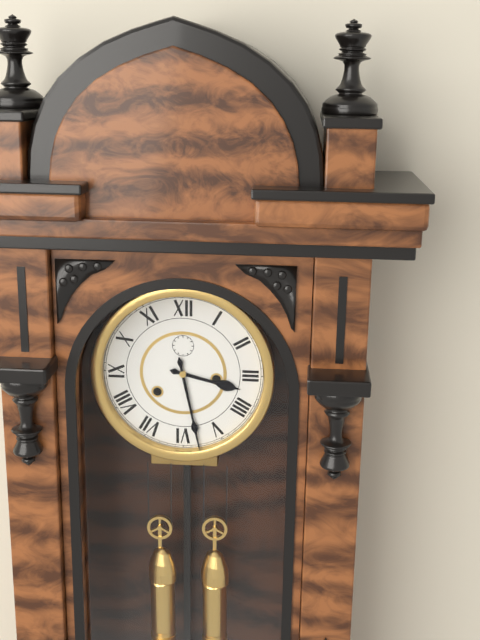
3:28
